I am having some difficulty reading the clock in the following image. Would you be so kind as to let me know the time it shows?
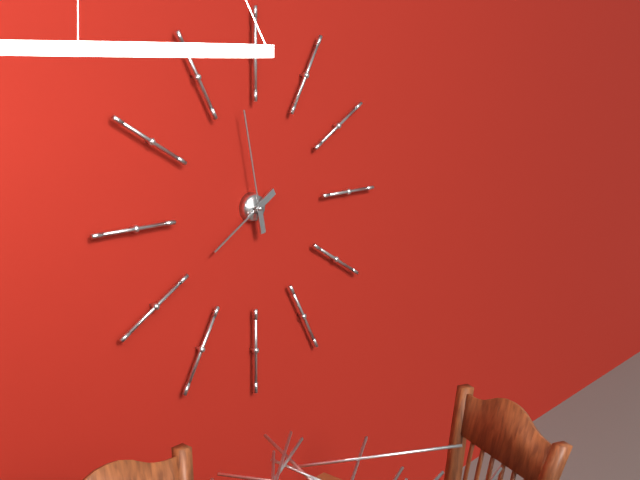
7:58
